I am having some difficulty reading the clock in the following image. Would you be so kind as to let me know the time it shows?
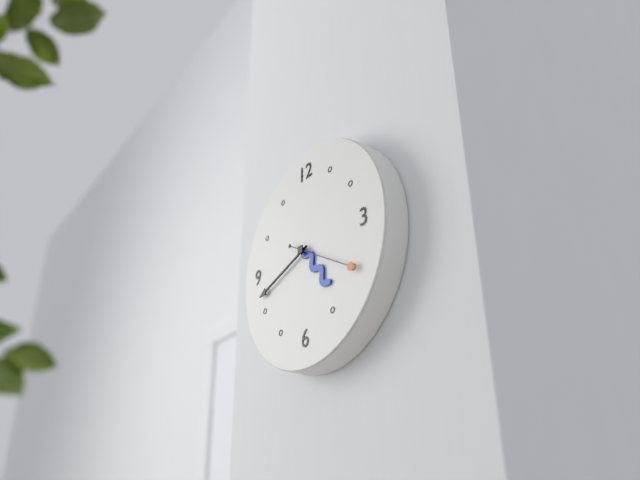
4:42:20
